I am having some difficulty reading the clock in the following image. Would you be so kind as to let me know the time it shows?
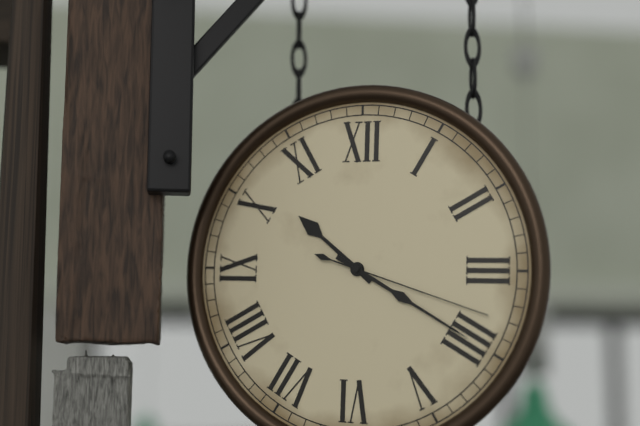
10:20:18
